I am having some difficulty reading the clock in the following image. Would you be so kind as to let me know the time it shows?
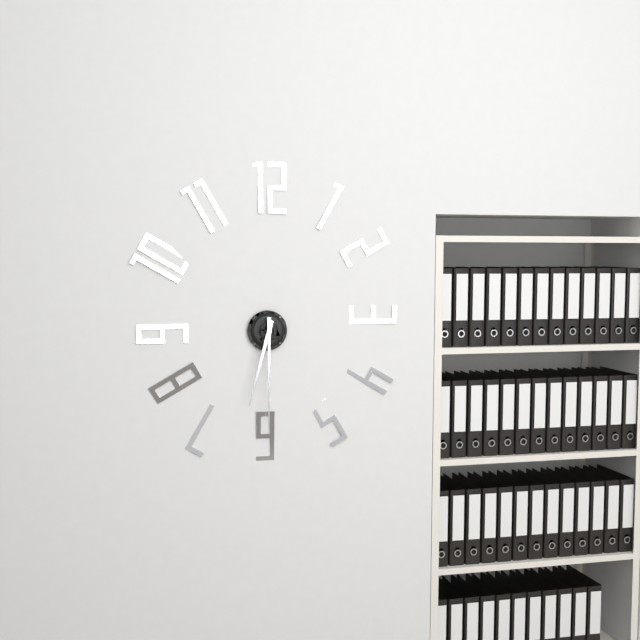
6:30
